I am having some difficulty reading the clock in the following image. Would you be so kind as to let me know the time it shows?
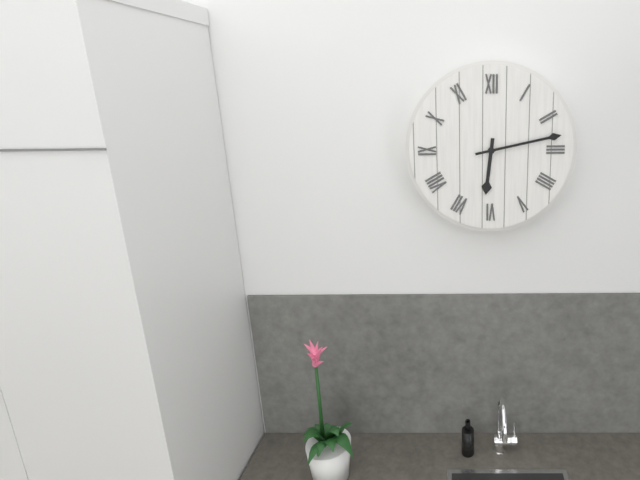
6:13
